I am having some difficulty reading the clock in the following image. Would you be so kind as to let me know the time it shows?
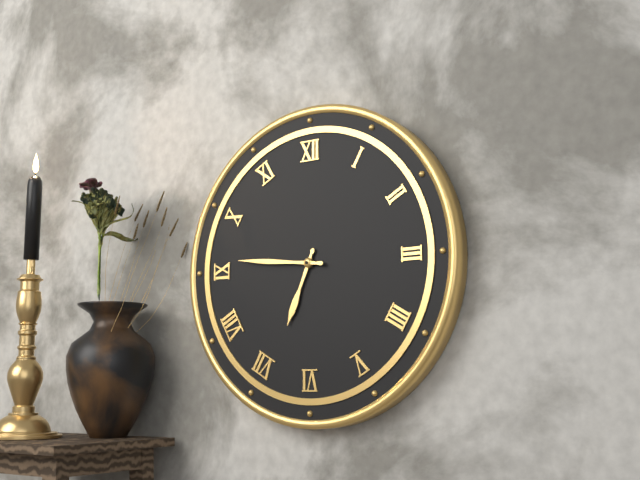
6:46
